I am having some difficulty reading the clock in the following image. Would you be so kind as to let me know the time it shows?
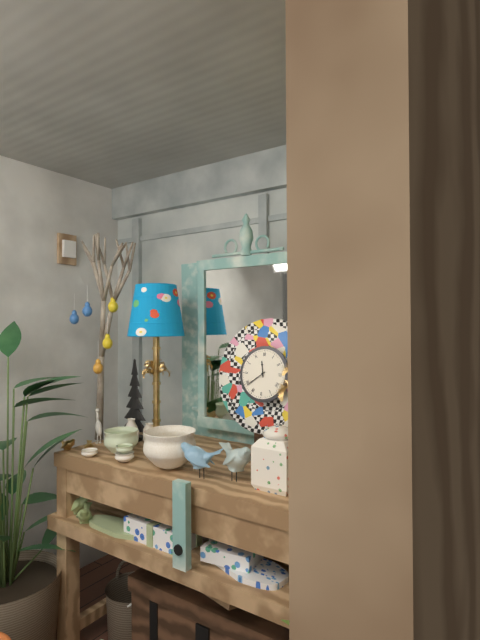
11:39
